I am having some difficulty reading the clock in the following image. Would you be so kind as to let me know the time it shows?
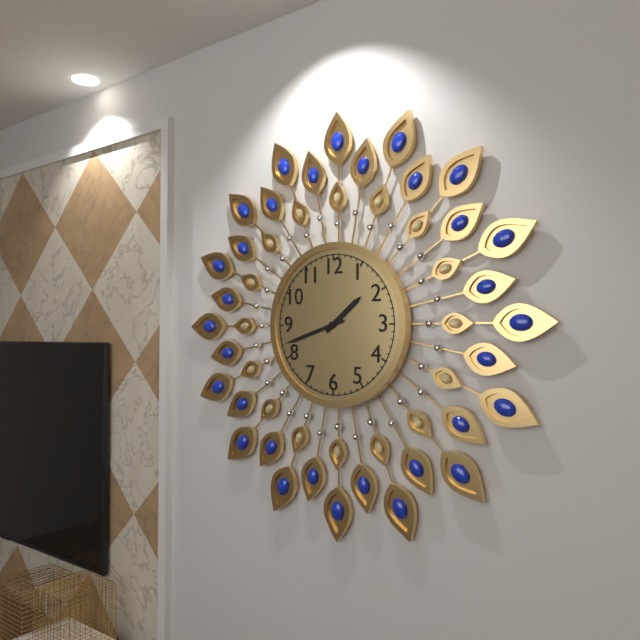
1:42
